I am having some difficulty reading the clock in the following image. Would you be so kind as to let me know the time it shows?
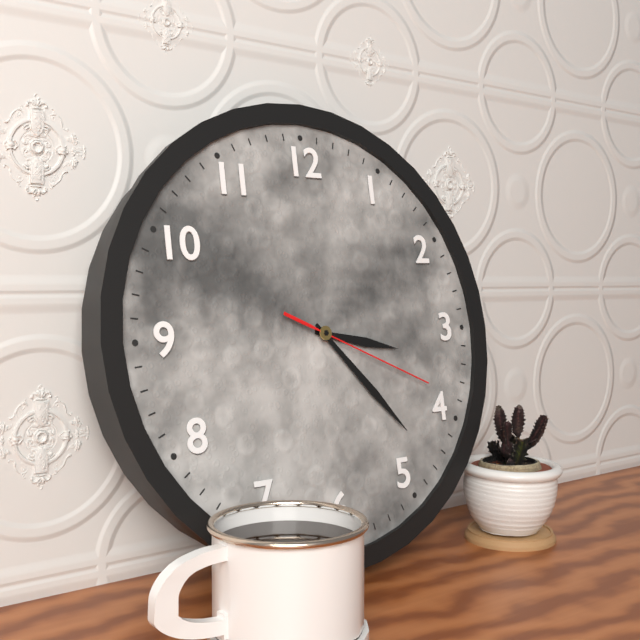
3:23:19
